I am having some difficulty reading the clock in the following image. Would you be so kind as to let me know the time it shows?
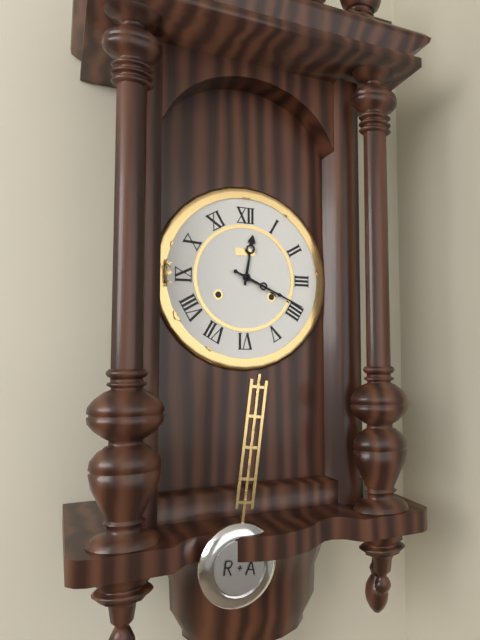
12:19
